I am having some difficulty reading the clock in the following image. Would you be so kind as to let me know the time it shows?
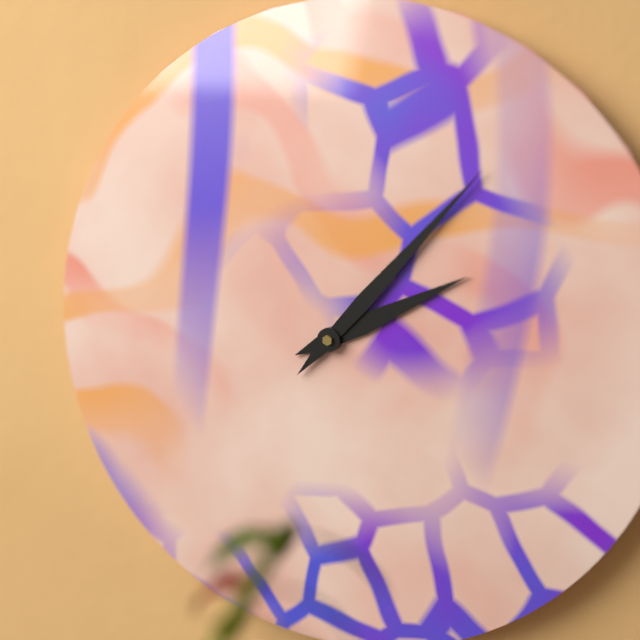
2:07
